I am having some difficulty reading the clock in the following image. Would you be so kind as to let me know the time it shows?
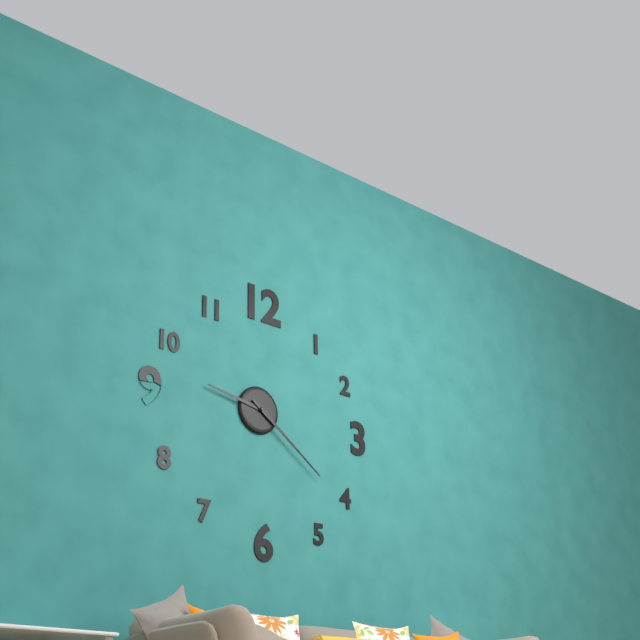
9:21
